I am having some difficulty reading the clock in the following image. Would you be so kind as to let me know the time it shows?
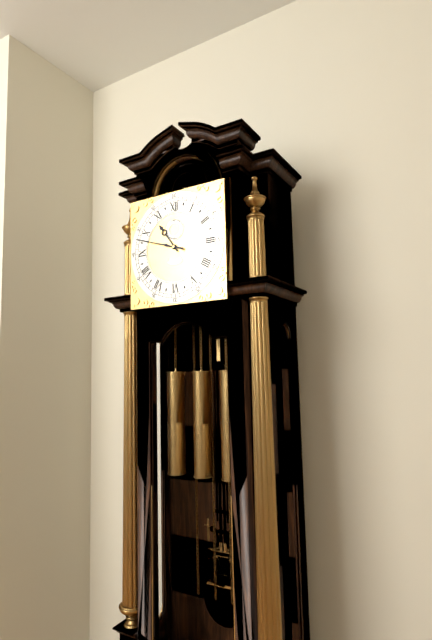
10:48
